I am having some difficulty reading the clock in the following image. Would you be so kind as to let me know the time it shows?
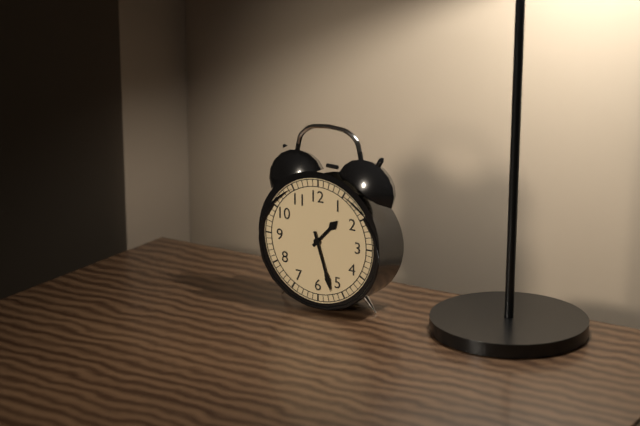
1:27
